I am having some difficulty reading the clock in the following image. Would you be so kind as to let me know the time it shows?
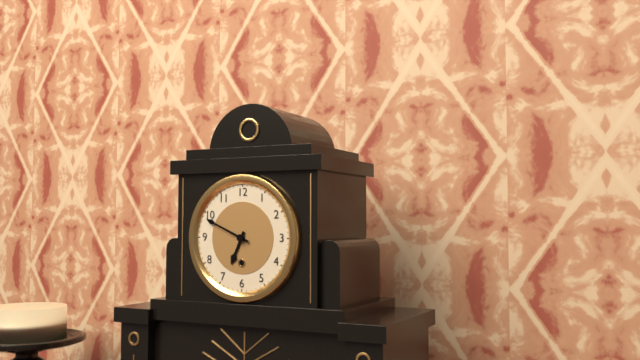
6:49
